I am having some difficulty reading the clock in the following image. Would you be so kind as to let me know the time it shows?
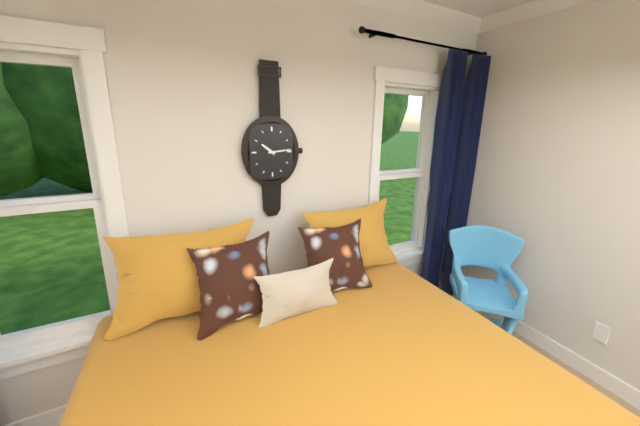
10:14
